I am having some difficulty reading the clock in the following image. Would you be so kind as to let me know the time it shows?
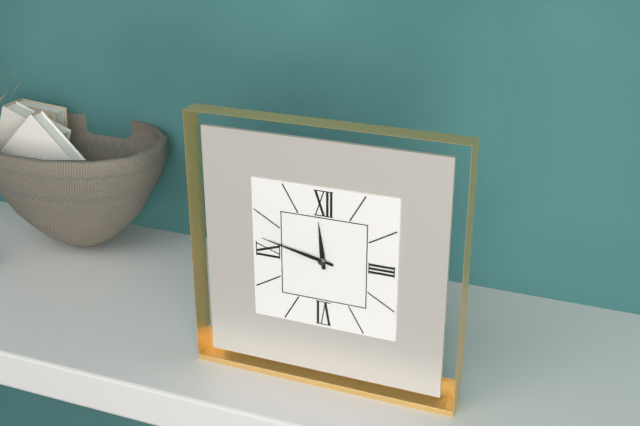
11:47
